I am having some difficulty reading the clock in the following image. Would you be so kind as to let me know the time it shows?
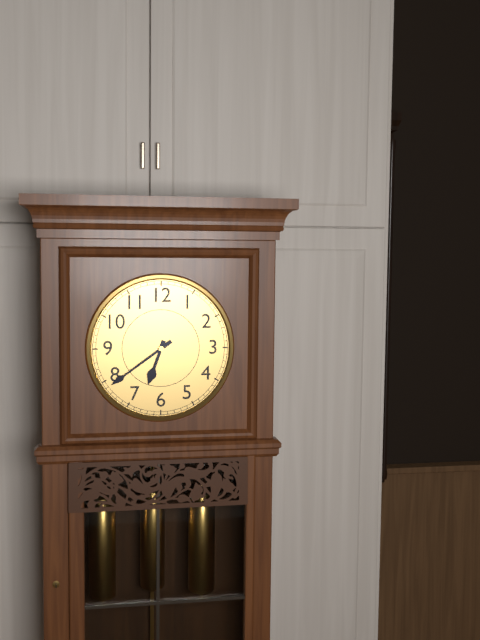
6:39
